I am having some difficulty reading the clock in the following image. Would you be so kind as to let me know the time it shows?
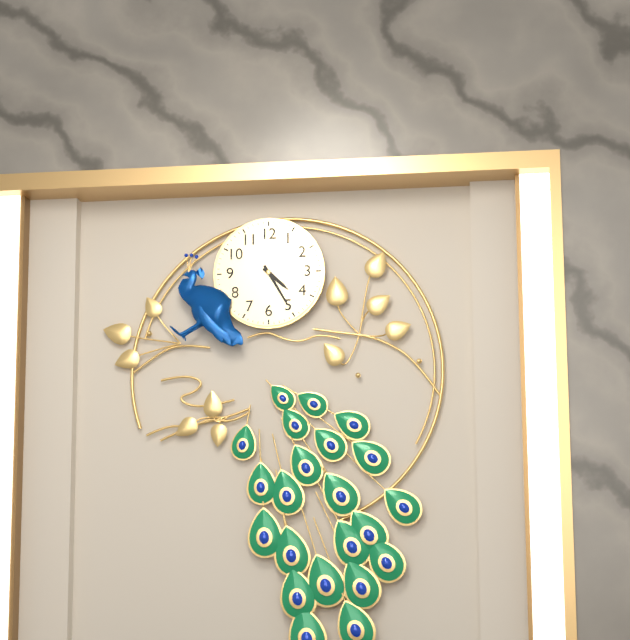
4:25
